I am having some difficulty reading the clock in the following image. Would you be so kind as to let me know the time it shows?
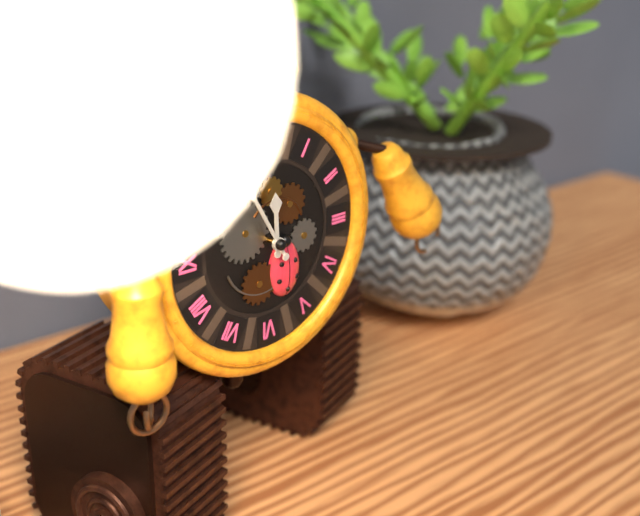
11:55
